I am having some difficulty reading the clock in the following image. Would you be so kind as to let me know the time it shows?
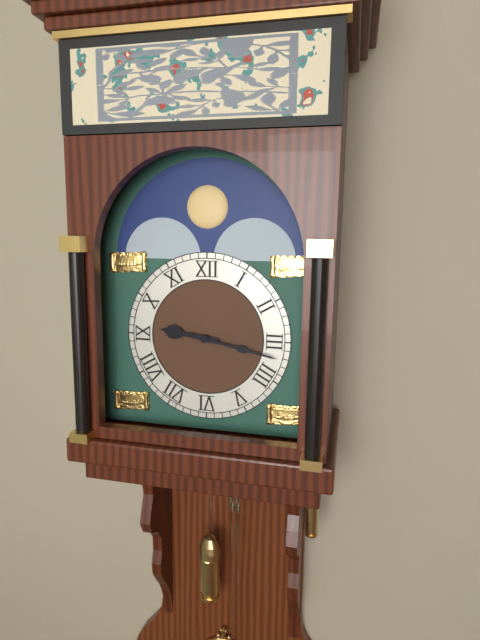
9:17
